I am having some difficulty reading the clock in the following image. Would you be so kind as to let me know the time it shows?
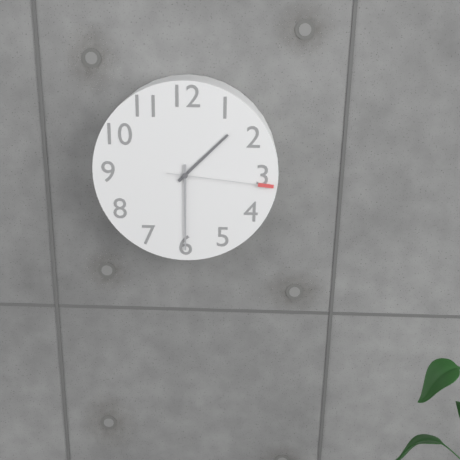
1:30:16
